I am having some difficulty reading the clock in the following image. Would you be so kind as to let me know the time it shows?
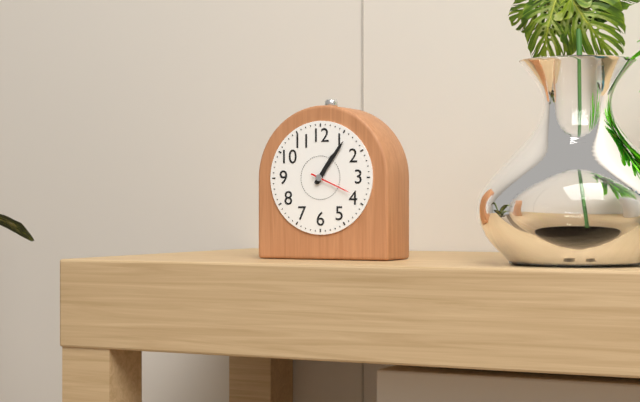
1:06
